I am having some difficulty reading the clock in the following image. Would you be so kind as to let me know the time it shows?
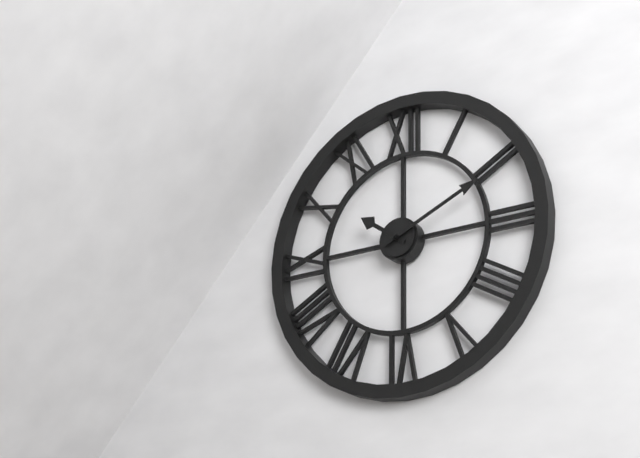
10:11
